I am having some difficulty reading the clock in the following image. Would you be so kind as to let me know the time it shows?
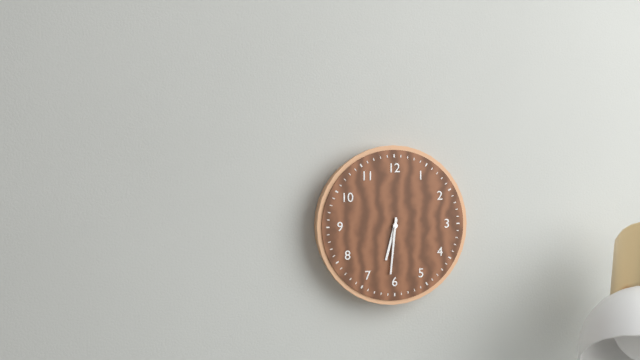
6:31
